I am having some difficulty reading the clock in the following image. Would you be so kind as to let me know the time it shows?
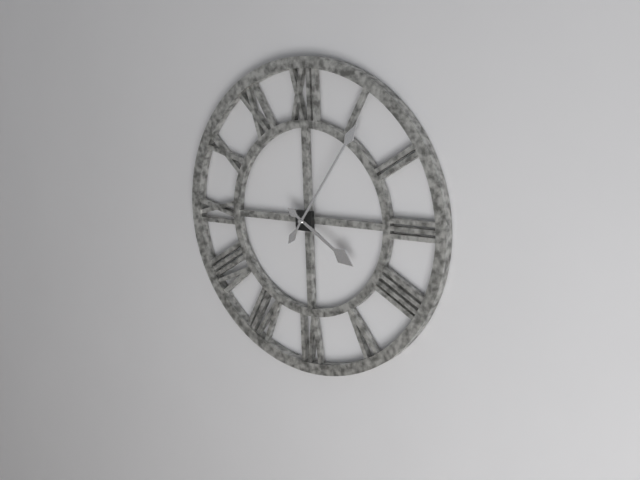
4:06
